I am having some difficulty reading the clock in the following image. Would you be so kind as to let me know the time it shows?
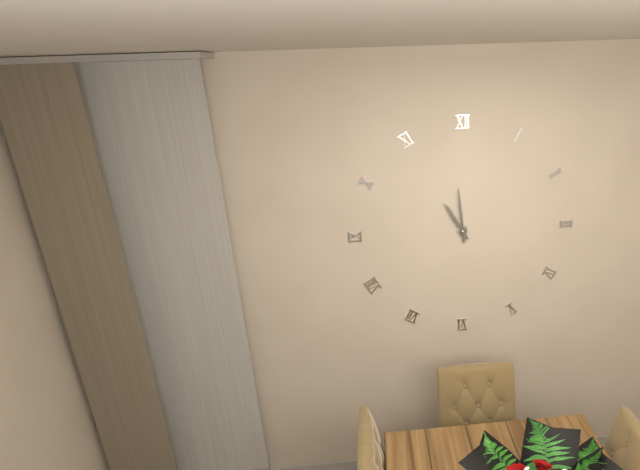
10:59
